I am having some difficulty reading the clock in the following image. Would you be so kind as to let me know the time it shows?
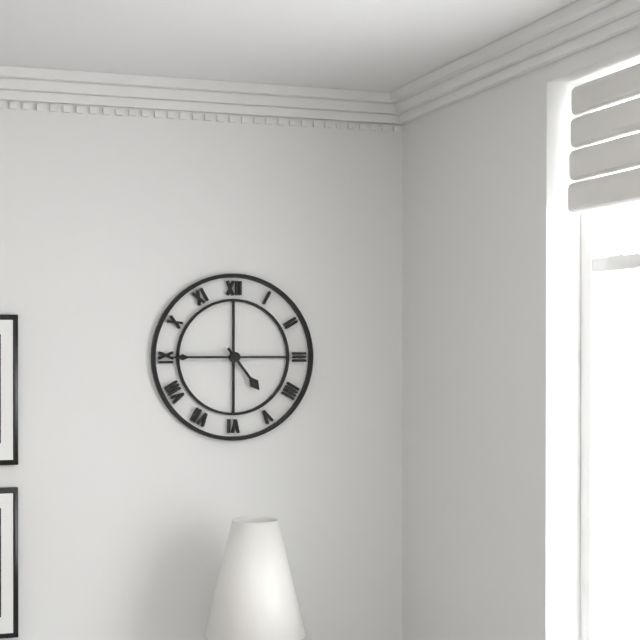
4:45
